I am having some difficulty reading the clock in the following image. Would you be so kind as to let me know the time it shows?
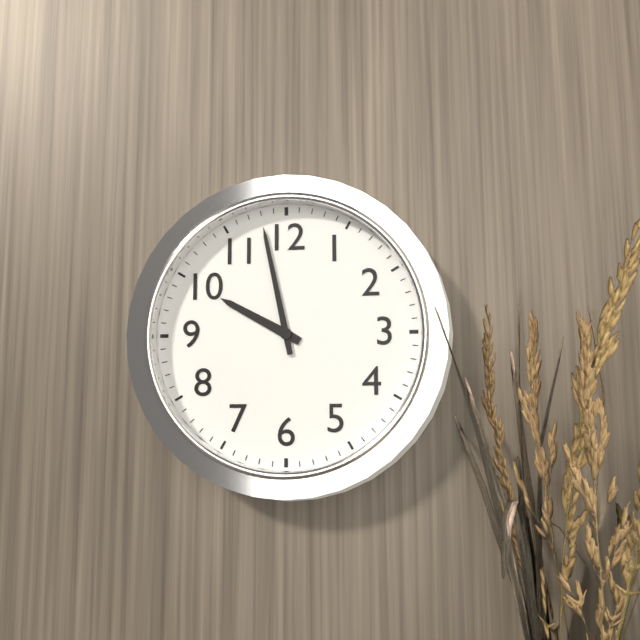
9:58
